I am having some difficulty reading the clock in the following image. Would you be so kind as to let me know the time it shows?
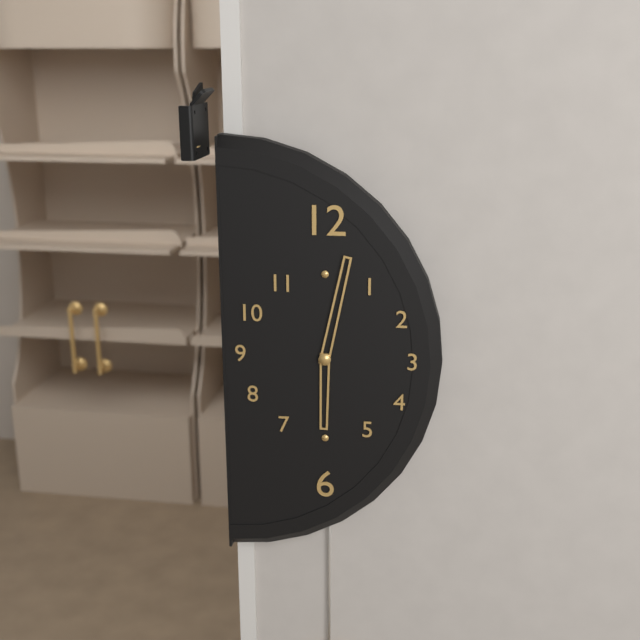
6:02
